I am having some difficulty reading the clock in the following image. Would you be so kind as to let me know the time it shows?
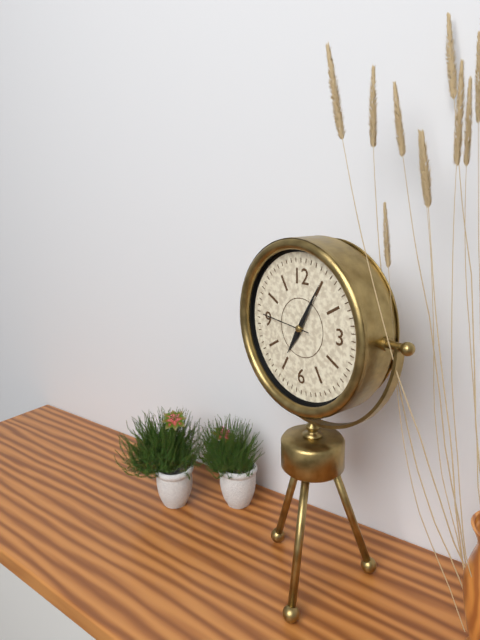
7:05:46
